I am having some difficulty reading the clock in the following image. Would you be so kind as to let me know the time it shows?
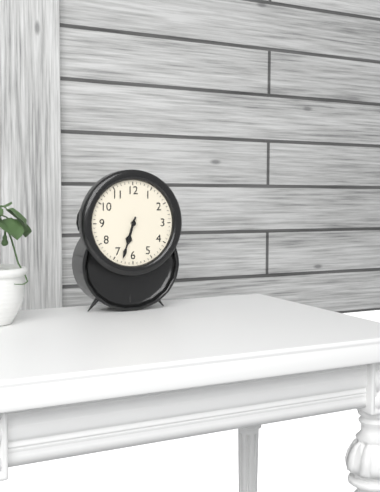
6:33
